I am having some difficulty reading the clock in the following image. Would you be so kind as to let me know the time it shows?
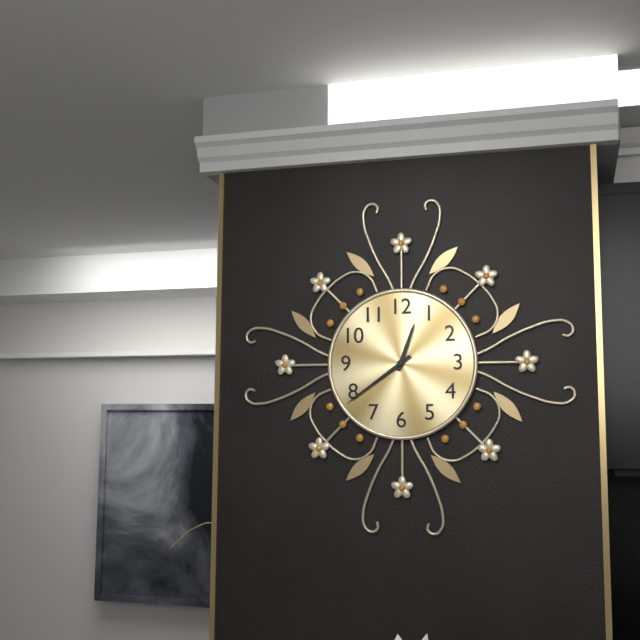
12:39
